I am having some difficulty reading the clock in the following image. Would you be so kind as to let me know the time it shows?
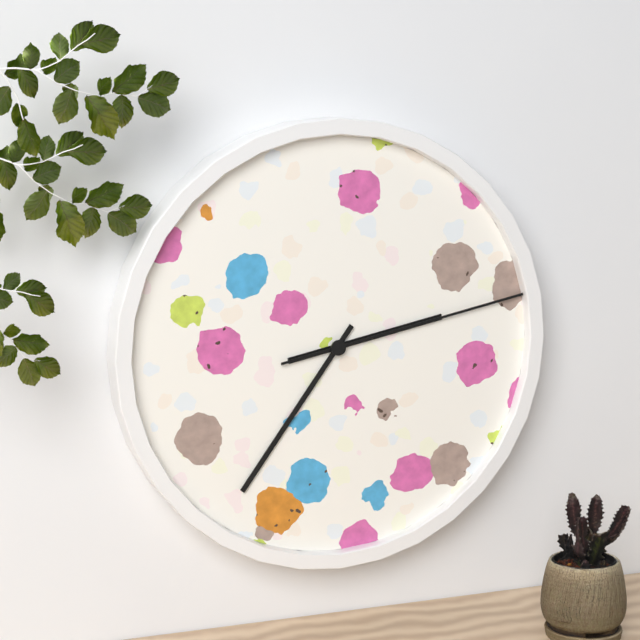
2:36:13
